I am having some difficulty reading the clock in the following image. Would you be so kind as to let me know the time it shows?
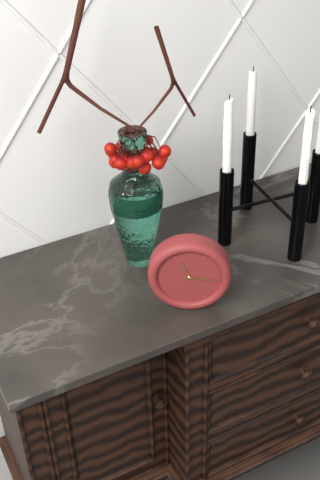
11:16
